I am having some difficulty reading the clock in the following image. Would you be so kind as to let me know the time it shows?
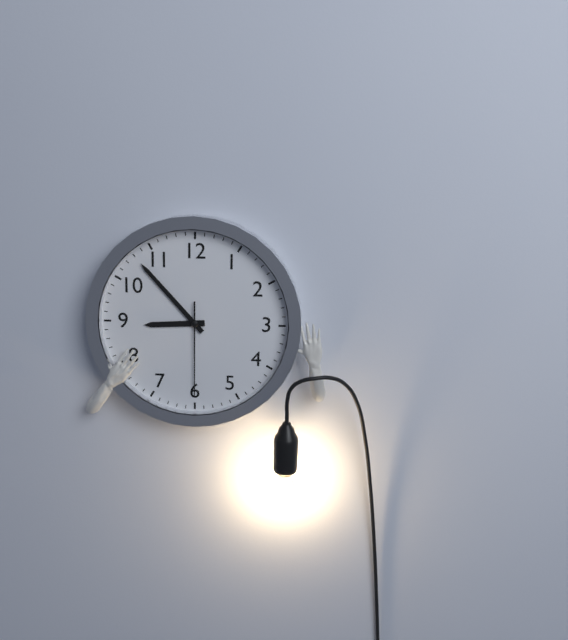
8:53:30
